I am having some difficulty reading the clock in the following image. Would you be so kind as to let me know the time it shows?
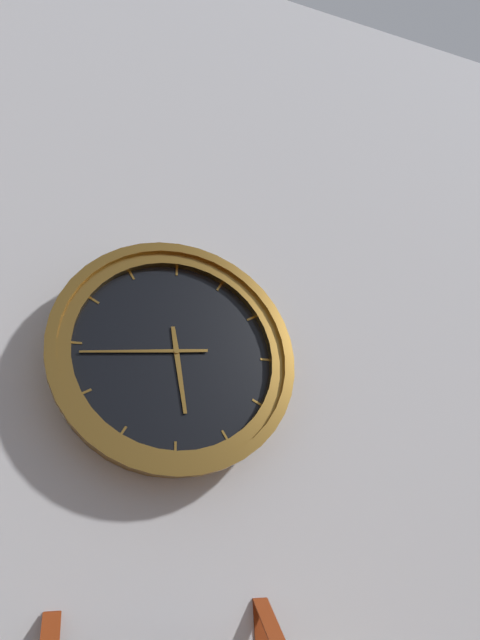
5:44
